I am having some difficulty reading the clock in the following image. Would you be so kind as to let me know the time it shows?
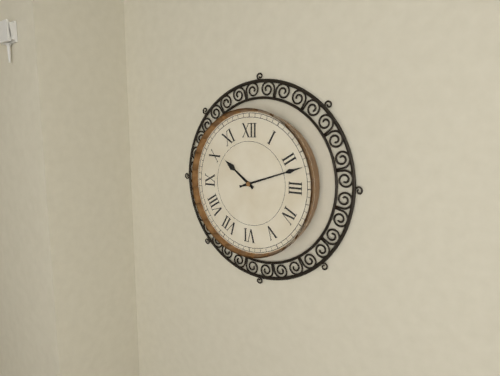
10:12
